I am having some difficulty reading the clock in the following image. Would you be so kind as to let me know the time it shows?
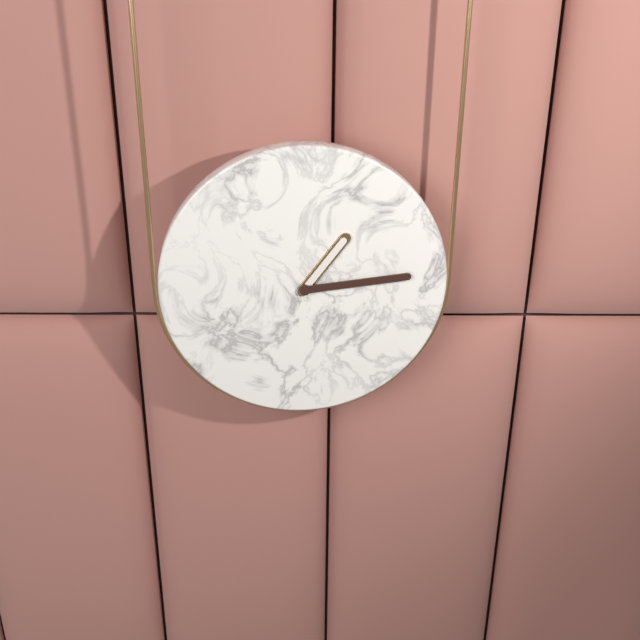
1:14
